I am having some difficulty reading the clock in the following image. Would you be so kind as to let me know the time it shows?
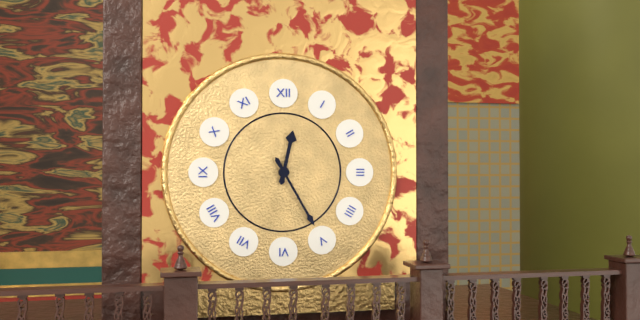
12:25
